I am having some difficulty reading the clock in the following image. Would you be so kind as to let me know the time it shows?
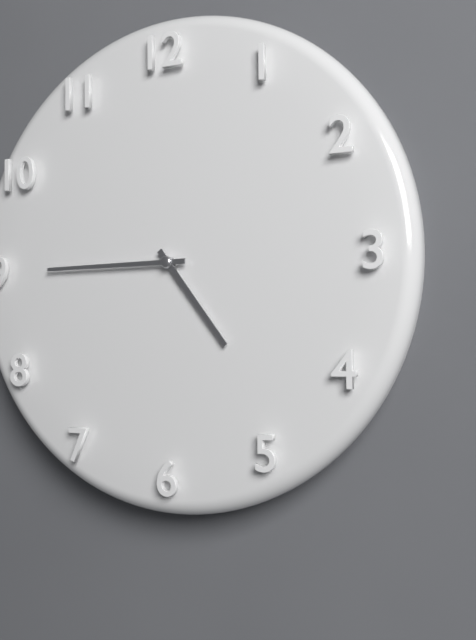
4:45
